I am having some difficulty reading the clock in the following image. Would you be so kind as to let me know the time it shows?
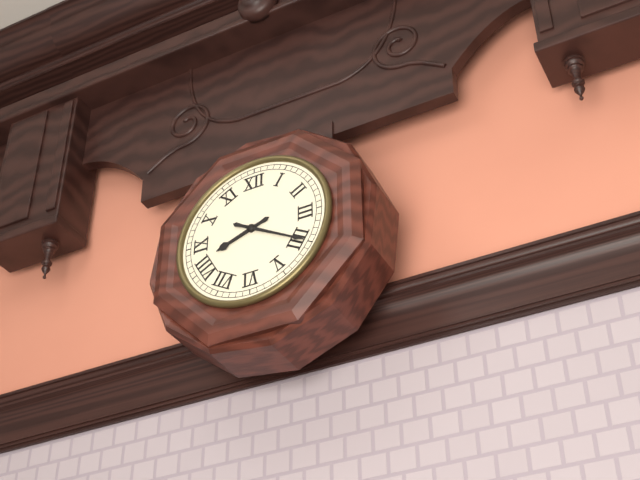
8:20
